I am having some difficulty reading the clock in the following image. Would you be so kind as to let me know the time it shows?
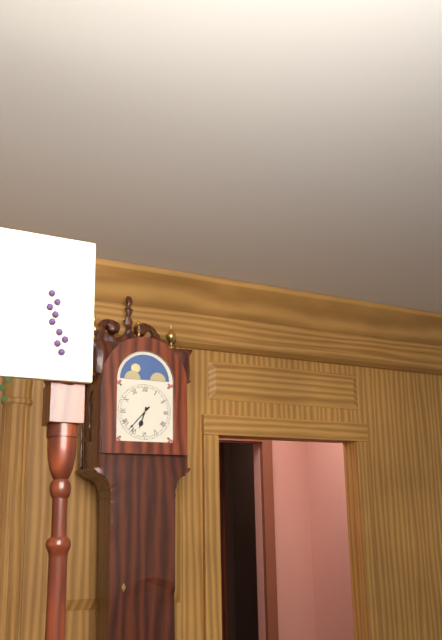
6:37
